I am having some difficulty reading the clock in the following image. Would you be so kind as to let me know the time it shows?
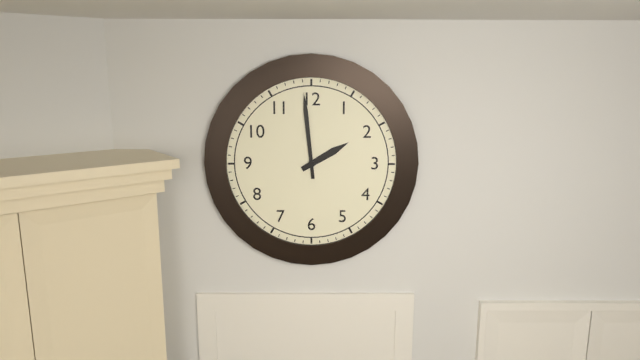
1:59
